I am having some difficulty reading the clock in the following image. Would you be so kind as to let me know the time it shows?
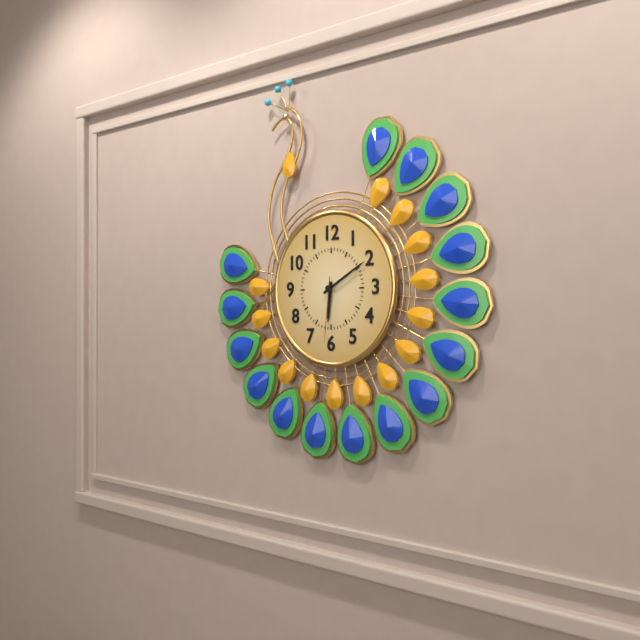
6:10:31
